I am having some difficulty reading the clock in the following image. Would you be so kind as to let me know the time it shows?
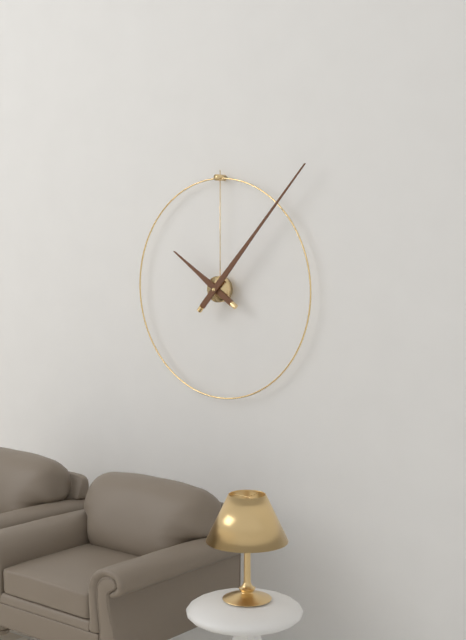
10:07
